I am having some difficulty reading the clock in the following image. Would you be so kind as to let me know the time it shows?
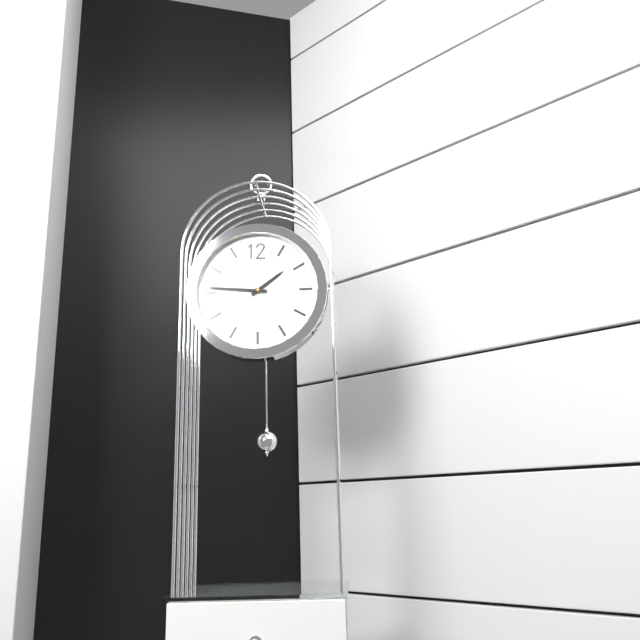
1:46
